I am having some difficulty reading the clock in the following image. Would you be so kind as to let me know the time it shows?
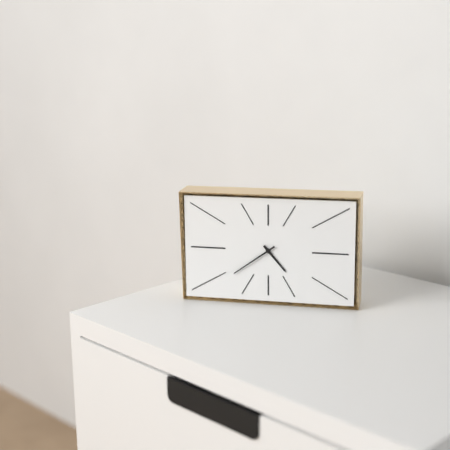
4:39
